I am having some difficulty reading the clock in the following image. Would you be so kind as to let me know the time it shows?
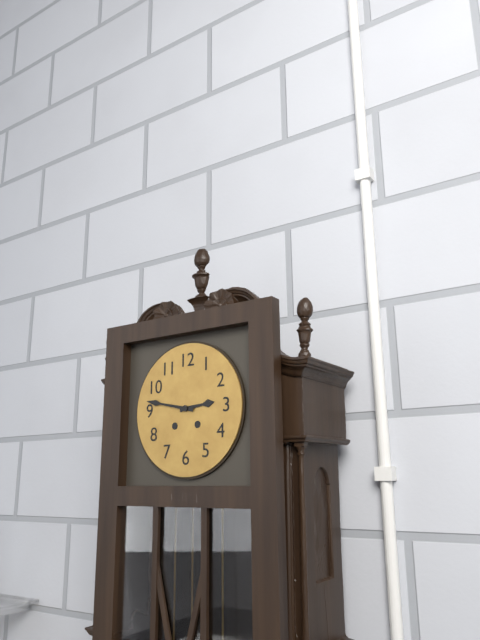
2:47
